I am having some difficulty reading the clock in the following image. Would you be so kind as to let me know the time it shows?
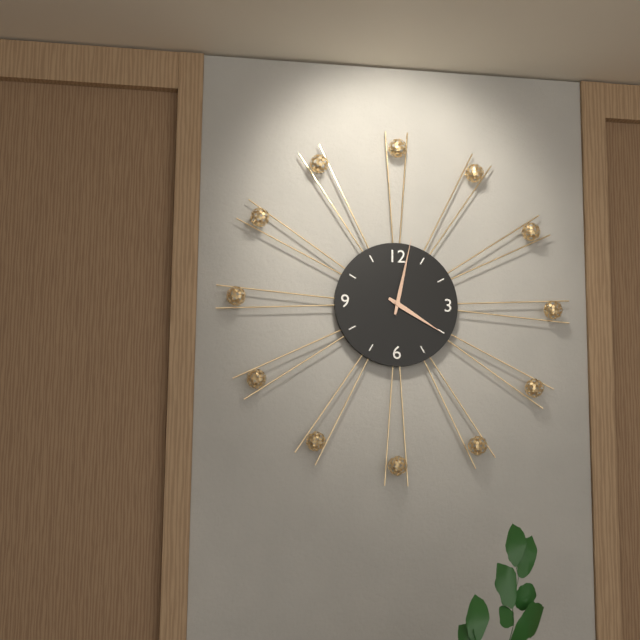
4:02
